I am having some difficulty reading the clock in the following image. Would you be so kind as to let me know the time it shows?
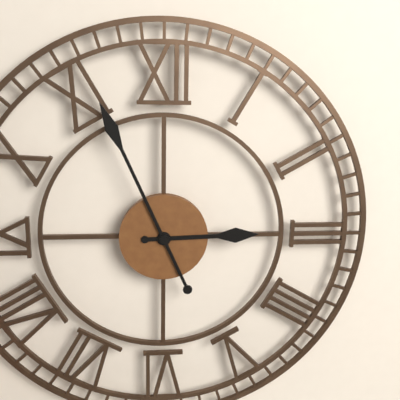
2:56
